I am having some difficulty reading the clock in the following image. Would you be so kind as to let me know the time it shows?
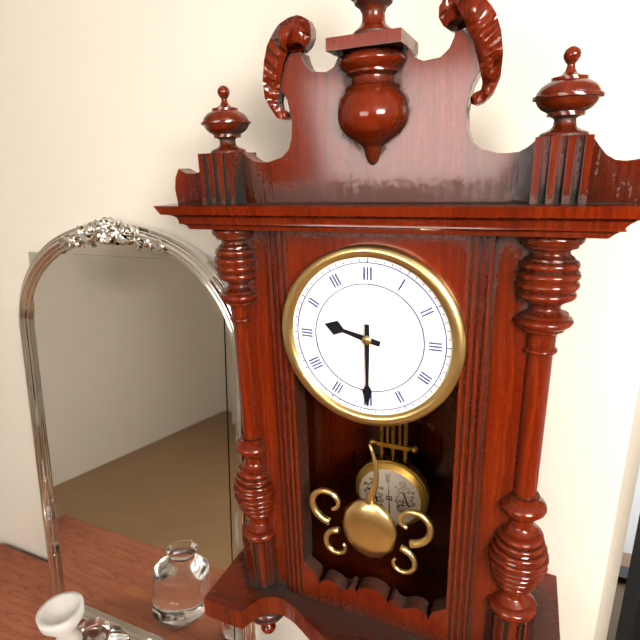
9:30
